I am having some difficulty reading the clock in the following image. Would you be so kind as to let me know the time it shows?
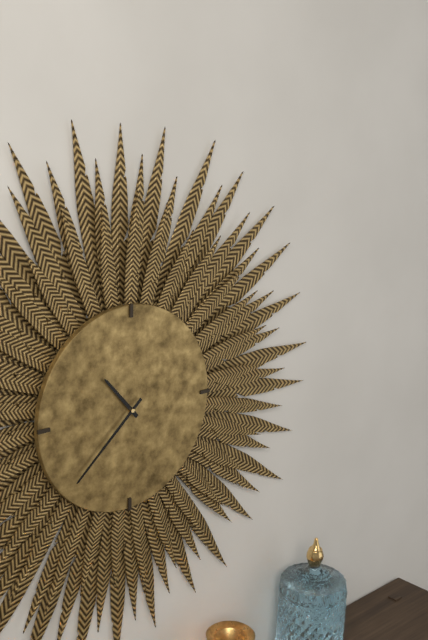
10:38
